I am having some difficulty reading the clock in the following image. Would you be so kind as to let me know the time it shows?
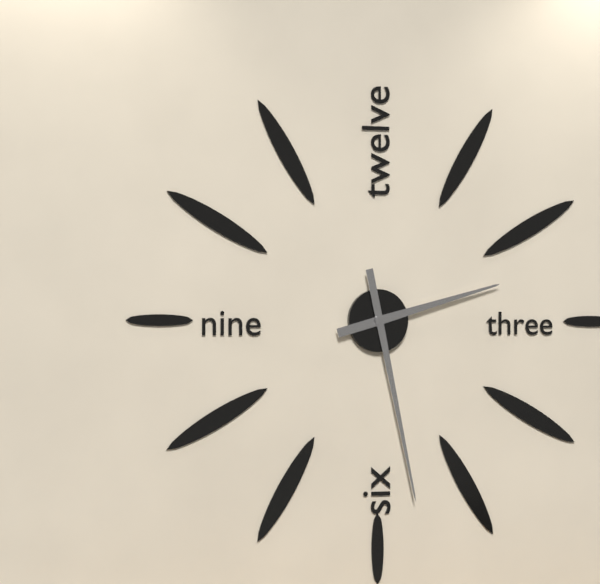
2:28
